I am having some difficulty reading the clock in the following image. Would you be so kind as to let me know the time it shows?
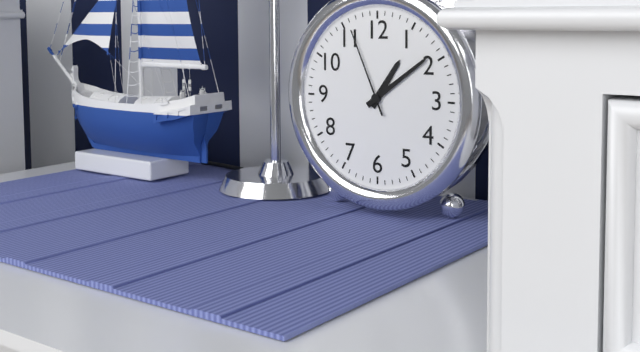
1:09:56
